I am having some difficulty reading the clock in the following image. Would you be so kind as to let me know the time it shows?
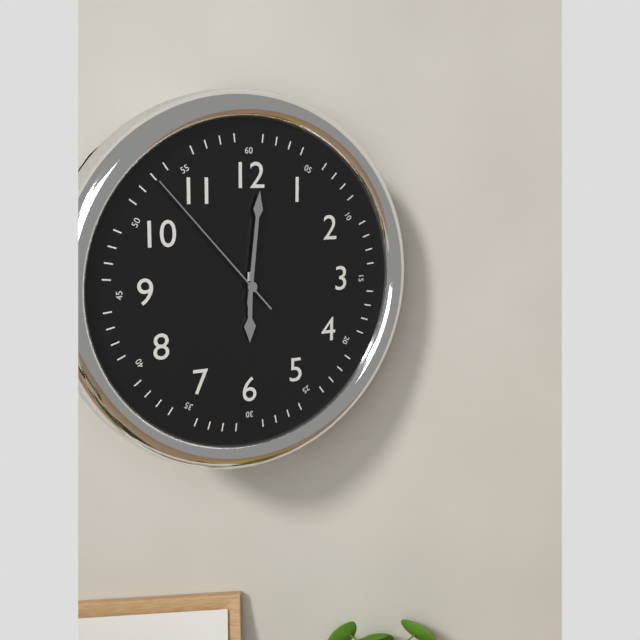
6:01:53
